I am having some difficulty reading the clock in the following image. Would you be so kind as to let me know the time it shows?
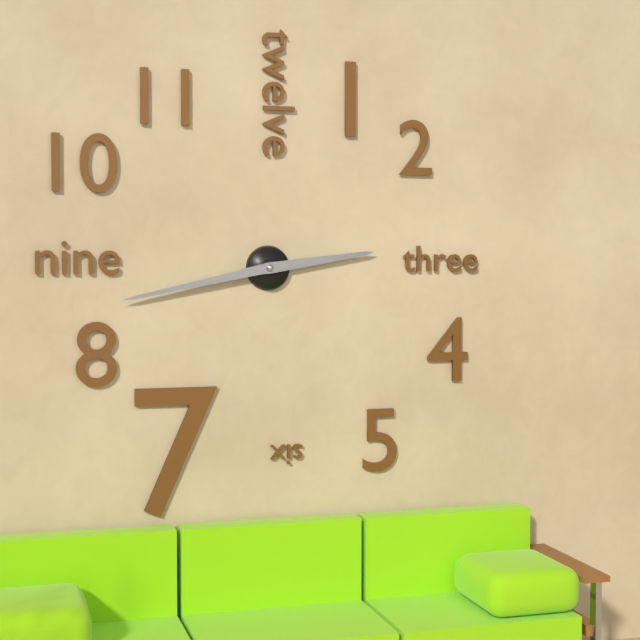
2:43
